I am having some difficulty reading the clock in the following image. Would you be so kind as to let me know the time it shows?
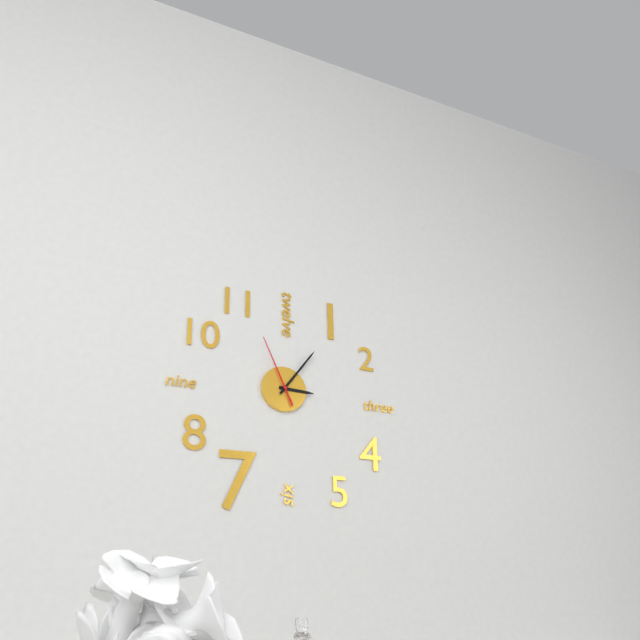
3:06:56
